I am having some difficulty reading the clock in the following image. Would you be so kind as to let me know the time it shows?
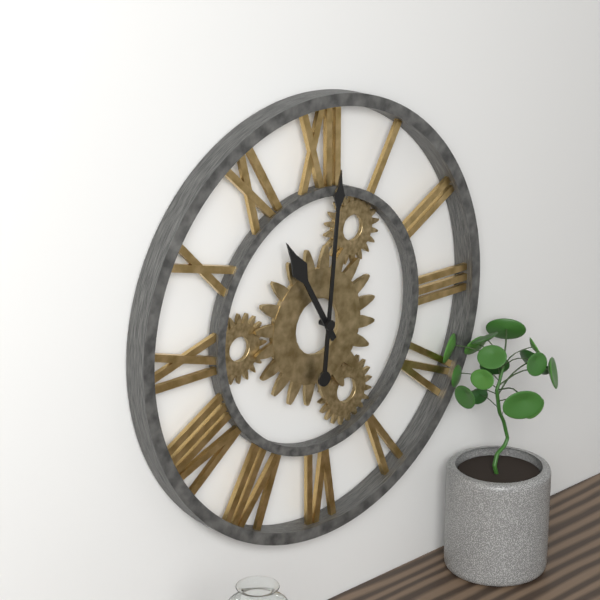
11:01
